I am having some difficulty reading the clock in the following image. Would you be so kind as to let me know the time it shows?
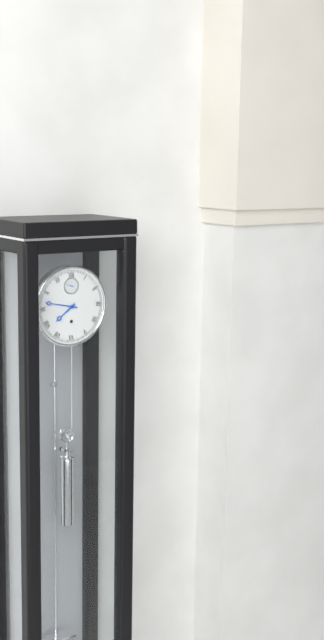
7:47
